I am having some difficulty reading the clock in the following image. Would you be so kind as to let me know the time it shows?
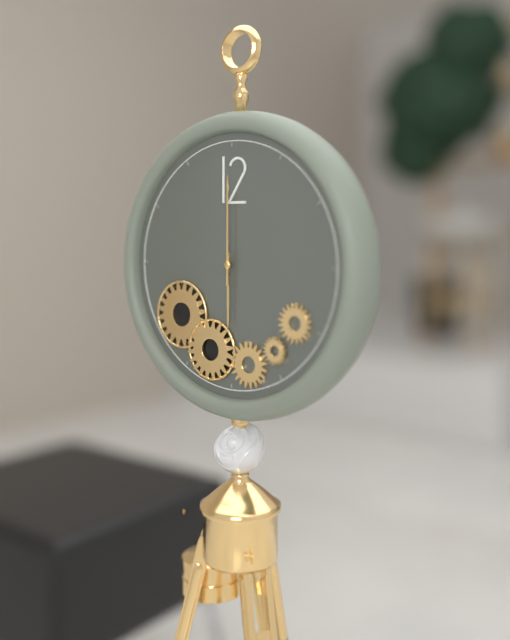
6:00
